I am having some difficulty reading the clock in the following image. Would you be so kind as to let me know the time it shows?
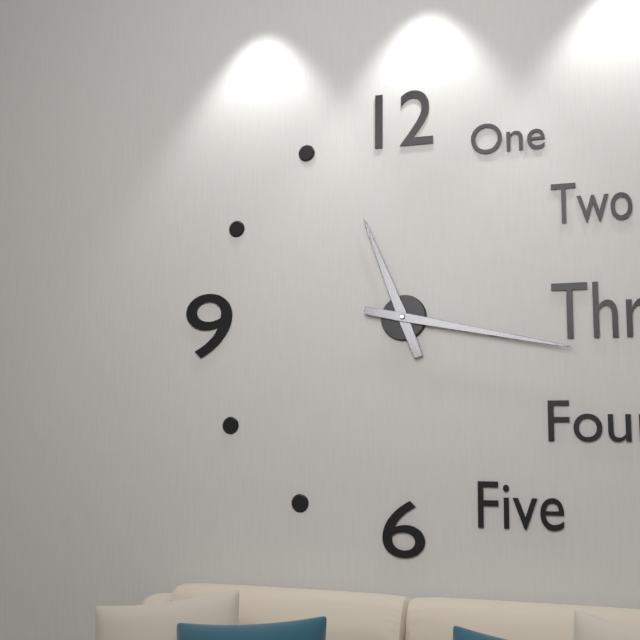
11:17
